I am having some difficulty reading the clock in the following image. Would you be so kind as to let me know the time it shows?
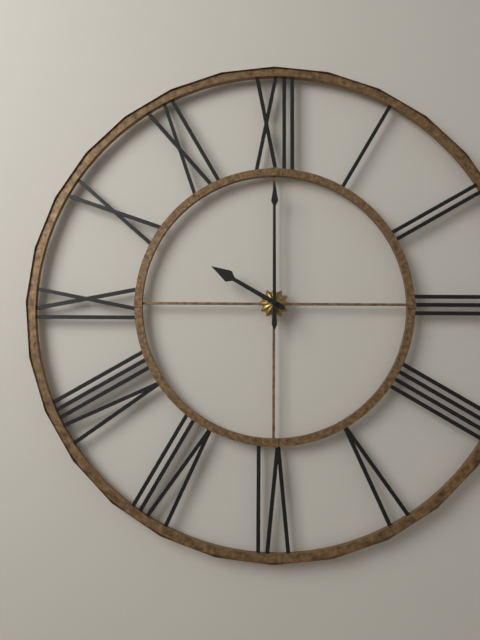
10:00
